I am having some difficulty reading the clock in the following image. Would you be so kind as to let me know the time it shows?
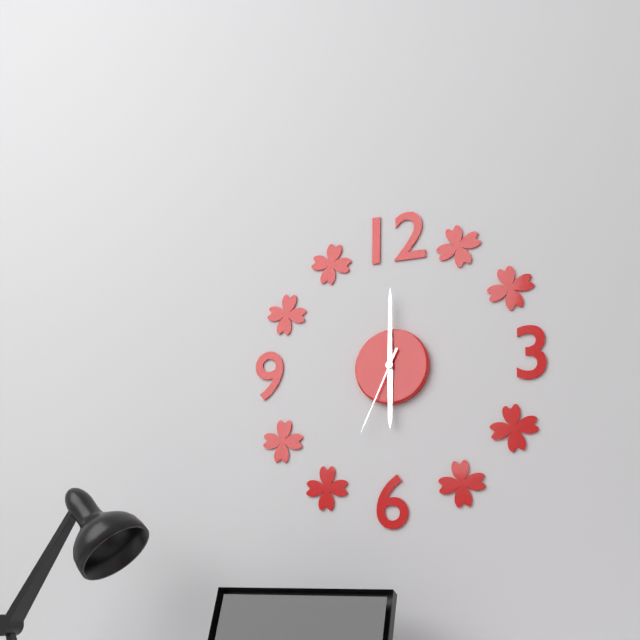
6:00:34
